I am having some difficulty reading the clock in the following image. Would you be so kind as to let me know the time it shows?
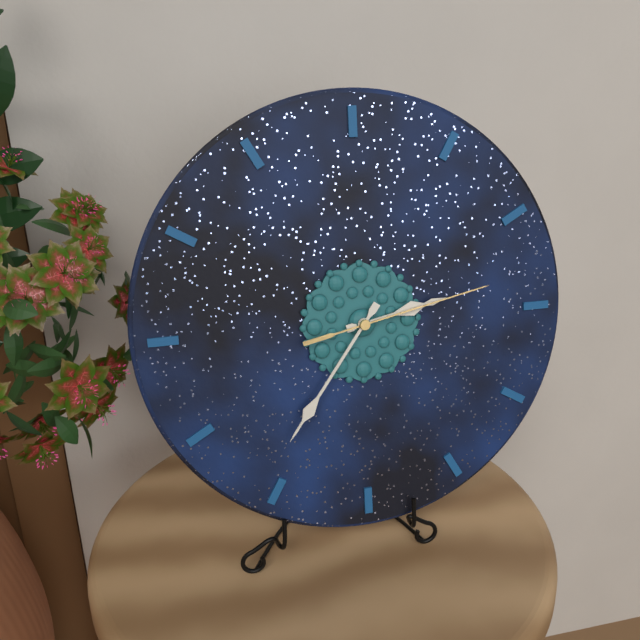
2:36:13
